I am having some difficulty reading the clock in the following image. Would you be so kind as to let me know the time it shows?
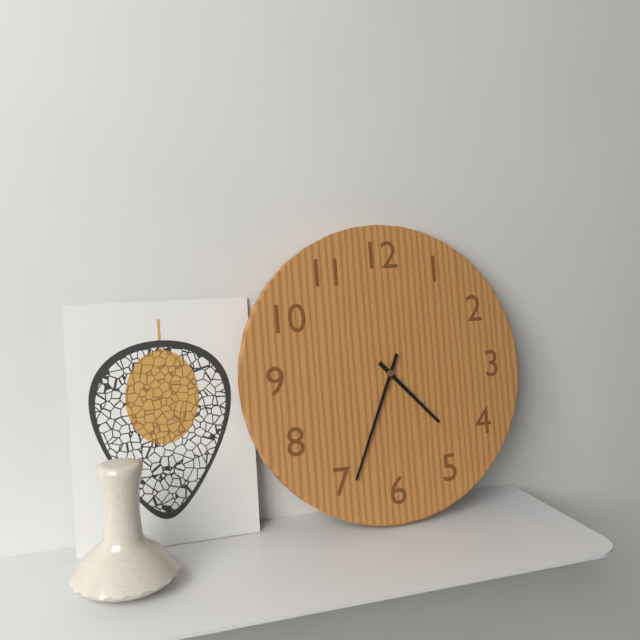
4:34
